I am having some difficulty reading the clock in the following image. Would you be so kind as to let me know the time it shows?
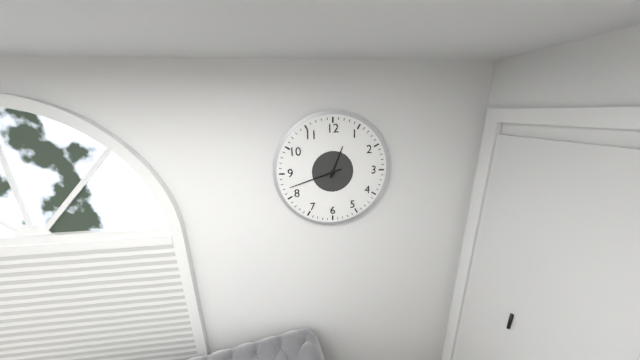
12:42
